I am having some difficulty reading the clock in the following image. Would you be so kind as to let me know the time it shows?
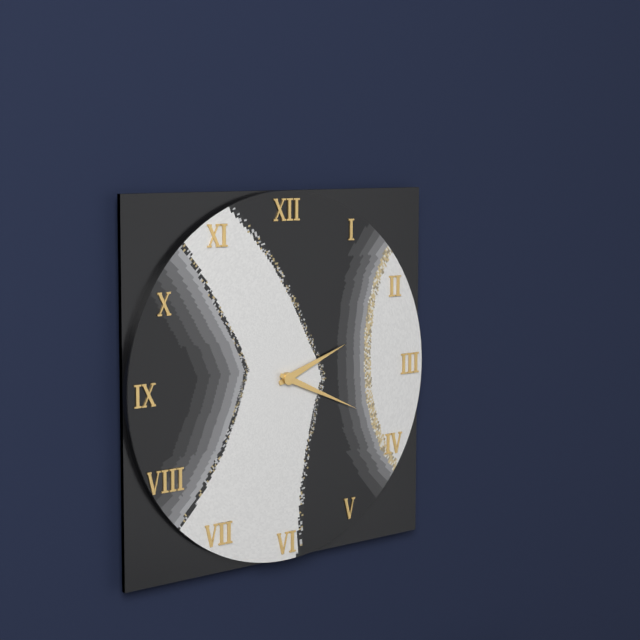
2:19
